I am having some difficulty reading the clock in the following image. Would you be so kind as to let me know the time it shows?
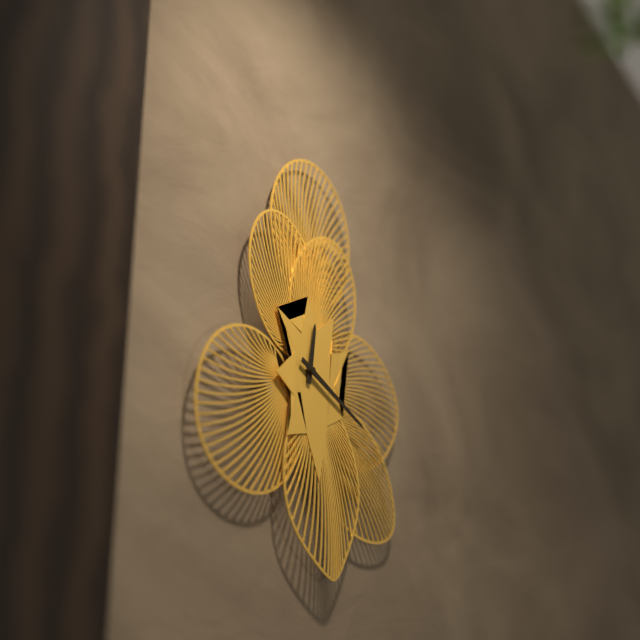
12:19
